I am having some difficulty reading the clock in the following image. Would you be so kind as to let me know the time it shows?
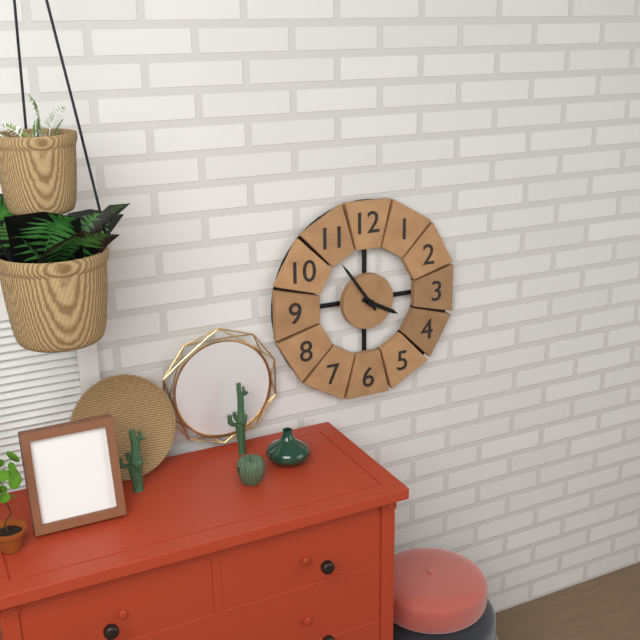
3:54
